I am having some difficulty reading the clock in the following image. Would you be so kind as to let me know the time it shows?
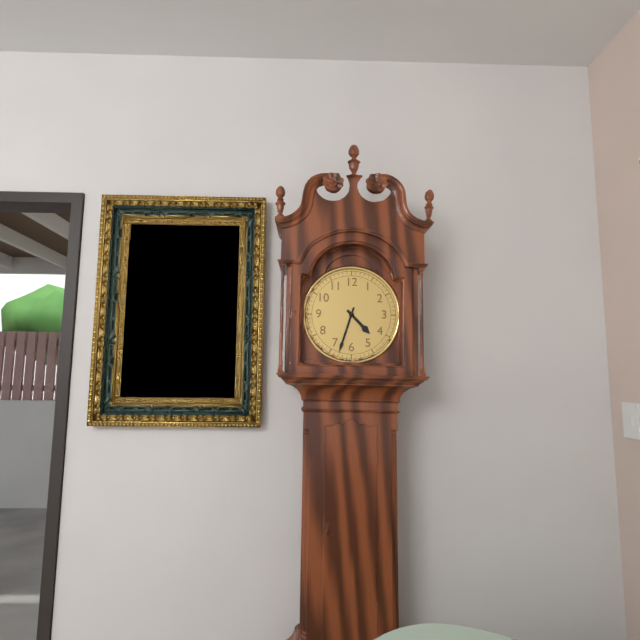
4:33
